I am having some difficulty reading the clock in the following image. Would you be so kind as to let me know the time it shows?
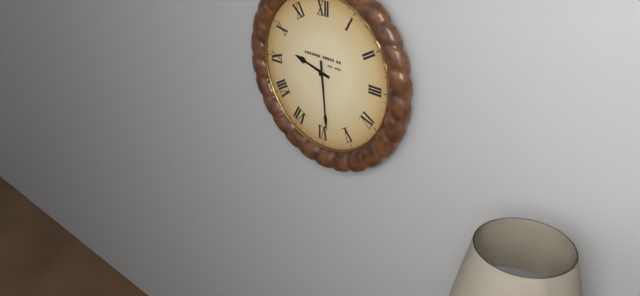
9:29
